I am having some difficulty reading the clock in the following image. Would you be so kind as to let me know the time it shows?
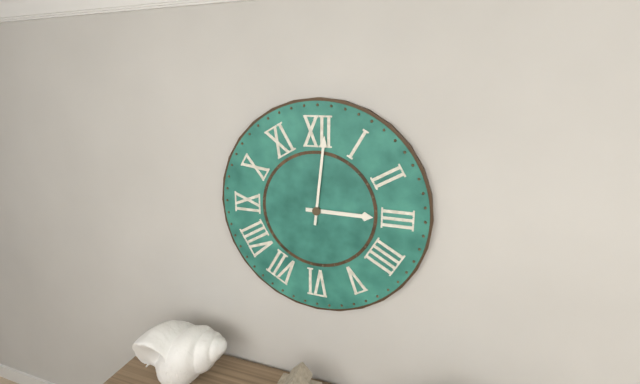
3:01
